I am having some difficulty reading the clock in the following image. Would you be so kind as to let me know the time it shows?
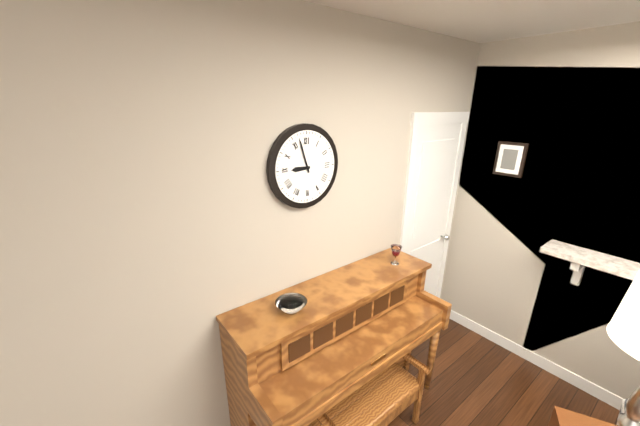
8:57
